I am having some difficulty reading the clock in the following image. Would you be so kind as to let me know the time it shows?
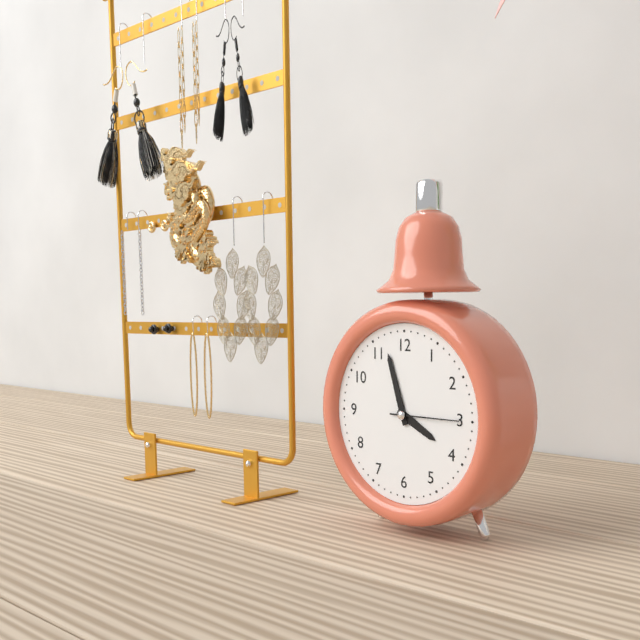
3:57:15
